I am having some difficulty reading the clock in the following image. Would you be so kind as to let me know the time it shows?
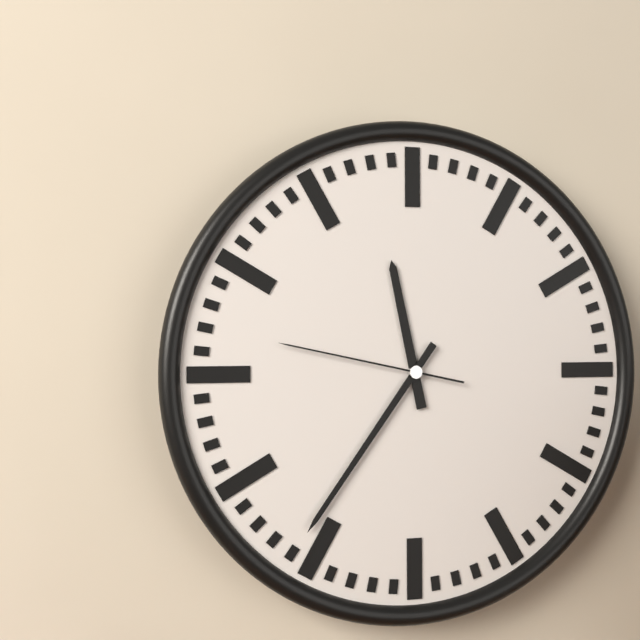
11:36:47
